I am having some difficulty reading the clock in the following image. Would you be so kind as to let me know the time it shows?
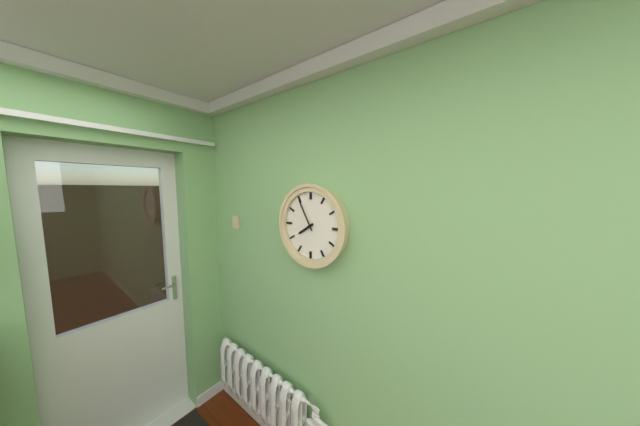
7:55
